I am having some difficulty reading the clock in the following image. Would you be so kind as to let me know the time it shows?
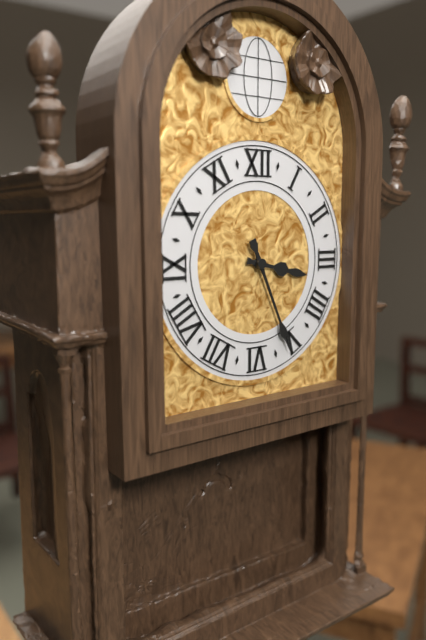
3:26
